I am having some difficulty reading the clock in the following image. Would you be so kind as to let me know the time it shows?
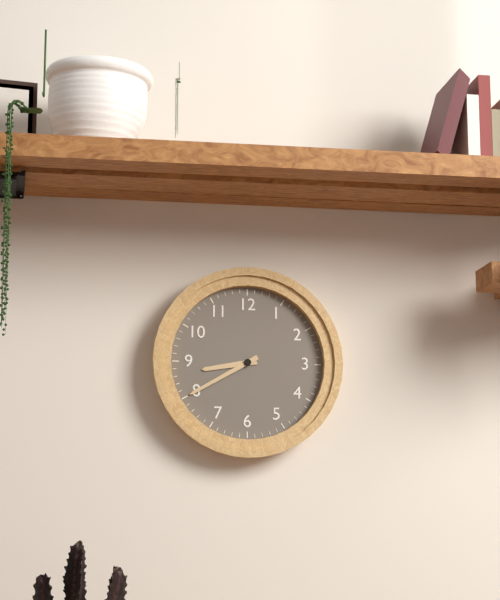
8:40
